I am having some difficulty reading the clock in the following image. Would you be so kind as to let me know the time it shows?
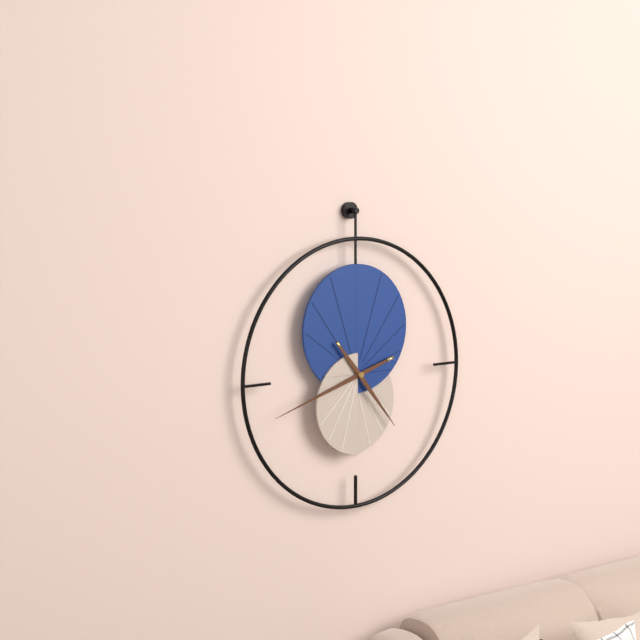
4:42
